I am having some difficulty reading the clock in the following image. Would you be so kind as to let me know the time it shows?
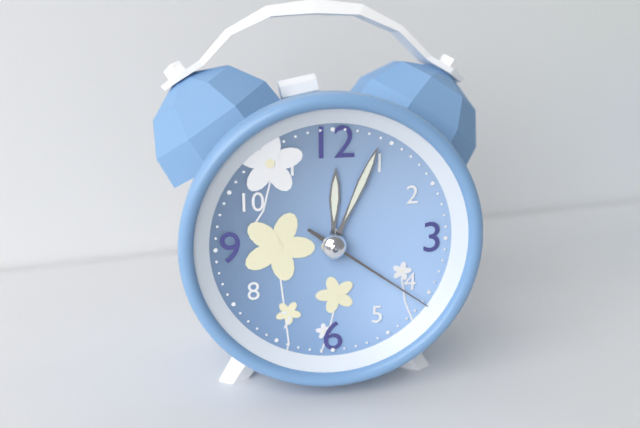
12:04:21
